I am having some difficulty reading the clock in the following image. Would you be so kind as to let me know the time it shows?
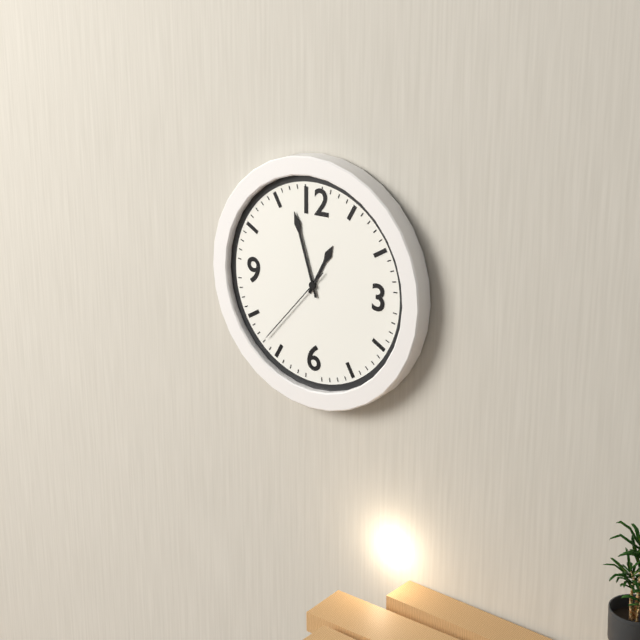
12:57:37
